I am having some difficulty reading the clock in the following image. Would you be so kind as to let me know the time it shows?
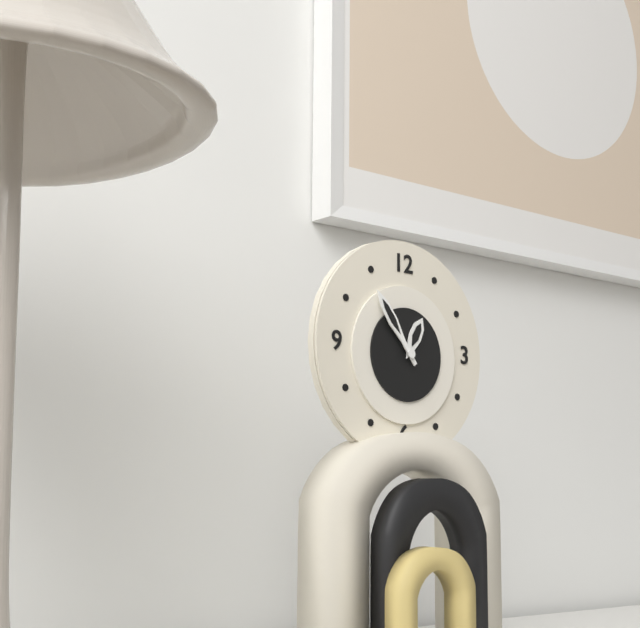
12:54
